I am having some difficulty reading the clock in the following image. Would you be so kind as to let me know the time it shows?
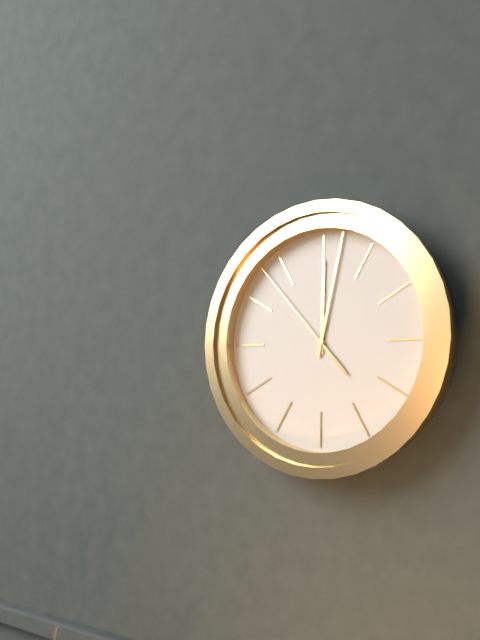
12:02:53
